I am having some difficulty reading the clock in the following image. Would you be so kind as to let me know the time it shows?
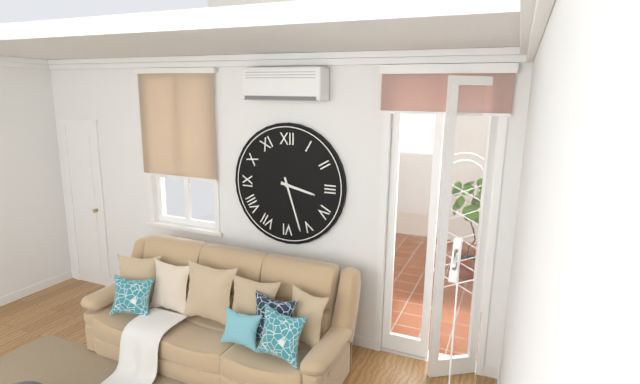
3:27
